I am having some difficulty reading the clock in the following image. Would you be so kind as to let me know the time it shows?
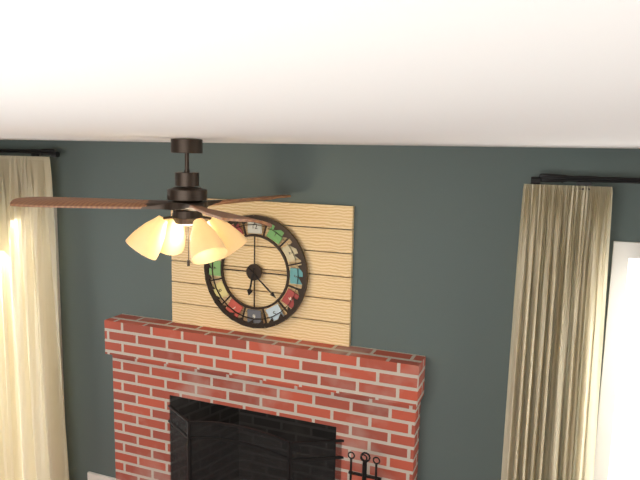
6:22
